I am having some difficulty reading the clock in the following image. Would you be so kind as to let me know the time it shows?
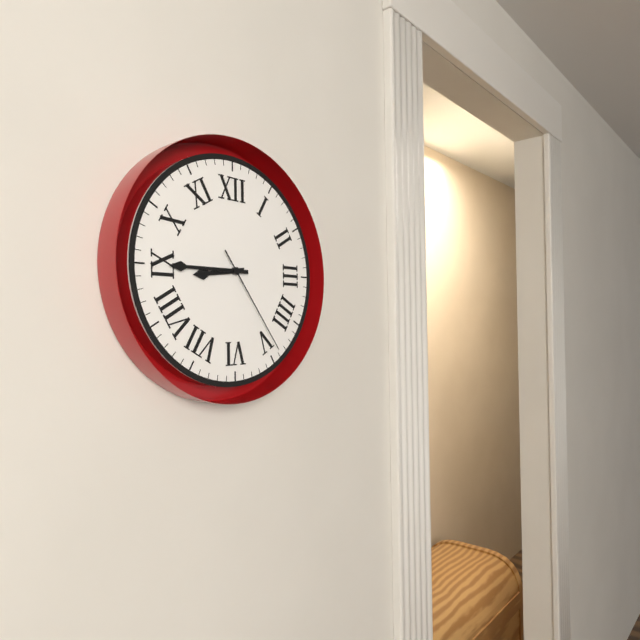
8:45:24
